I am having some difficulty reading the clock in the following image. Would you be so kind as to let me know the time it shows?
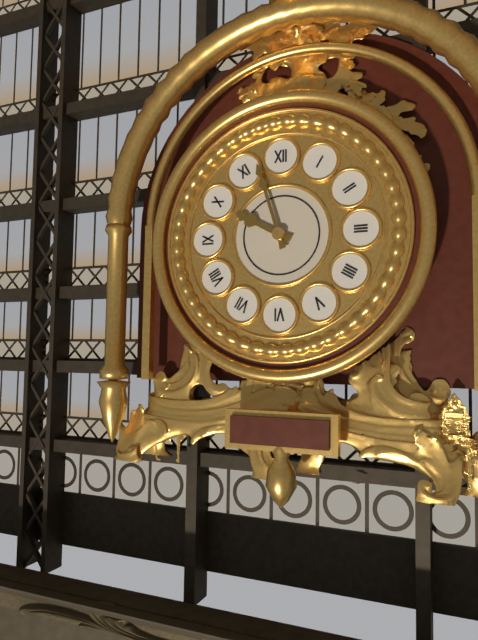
9:57
